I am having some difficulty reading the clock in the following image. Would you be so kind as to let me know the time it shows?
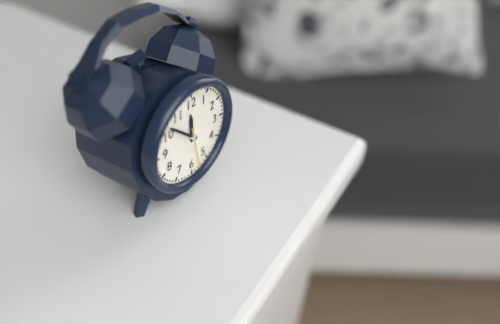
11:52
